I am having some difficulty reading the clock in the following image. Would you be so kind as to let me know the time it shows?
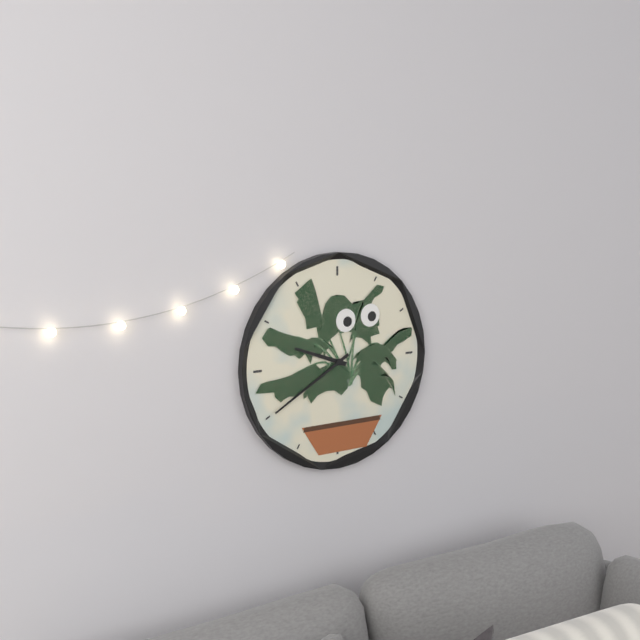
9:40
